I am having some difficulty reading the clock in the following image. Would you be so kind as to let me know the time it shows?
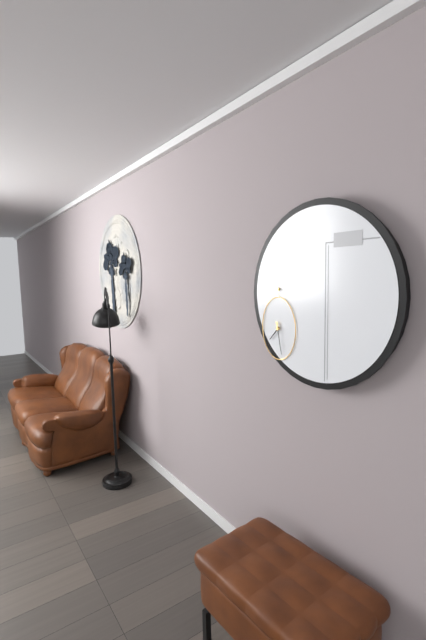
7:28
